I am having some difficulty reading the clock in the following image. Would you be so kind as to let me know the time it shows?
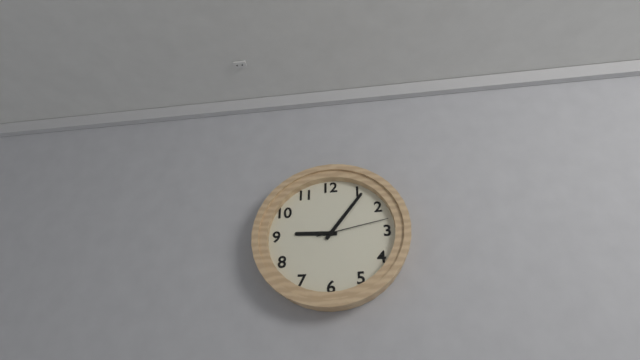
9:06:13
